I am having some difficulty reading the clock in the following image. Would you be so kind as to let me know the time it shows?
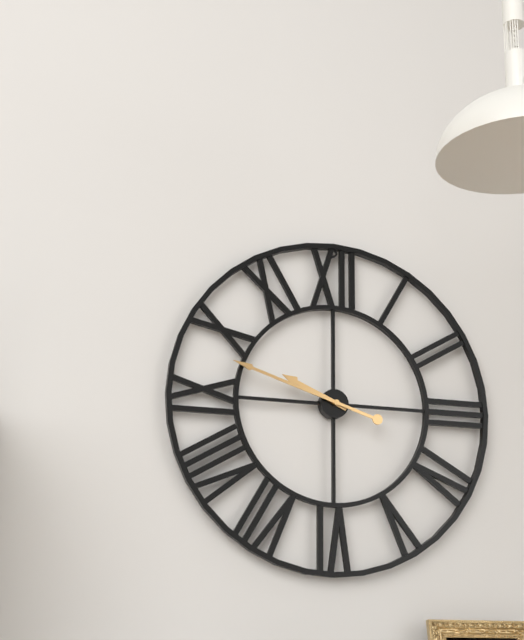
9:48
